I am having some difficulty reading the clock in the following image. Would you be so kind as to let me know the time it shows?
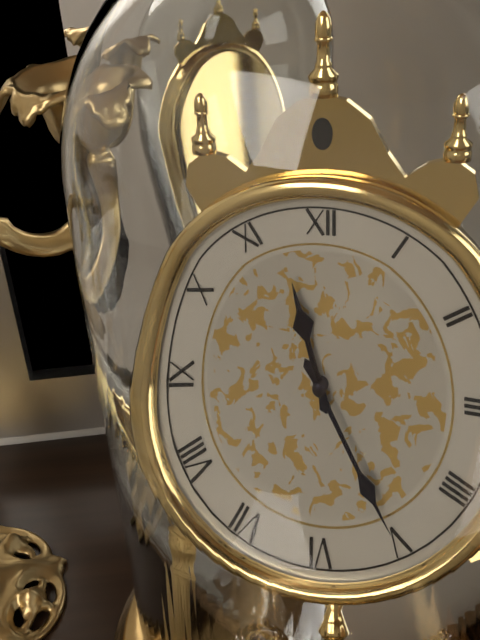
11:25
